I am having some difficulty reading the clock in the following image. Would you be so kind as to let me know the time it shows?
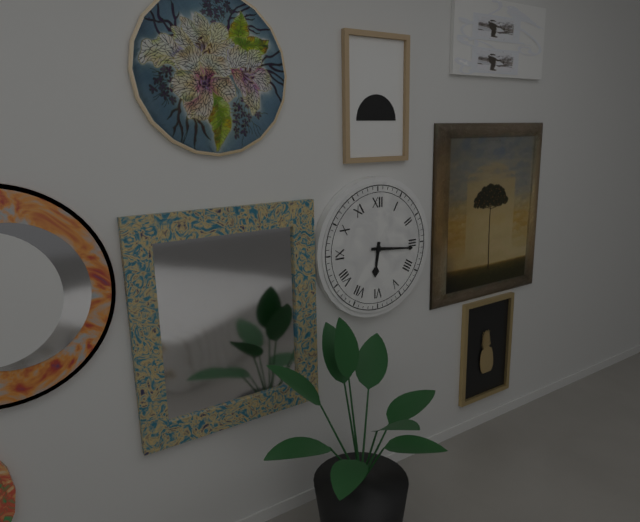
6:16
